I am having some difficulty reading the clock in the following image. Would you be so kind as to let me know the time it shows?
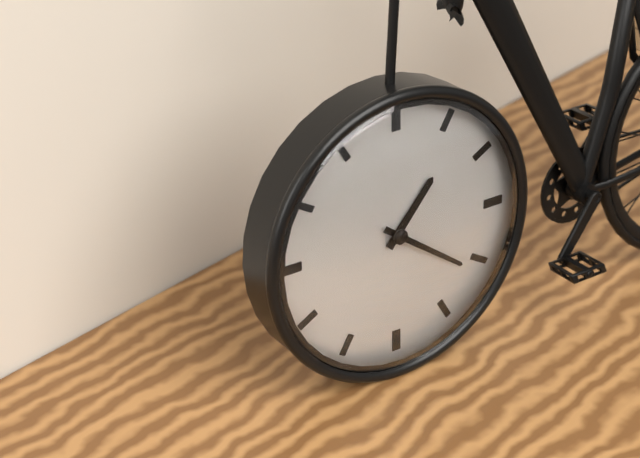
1:21
